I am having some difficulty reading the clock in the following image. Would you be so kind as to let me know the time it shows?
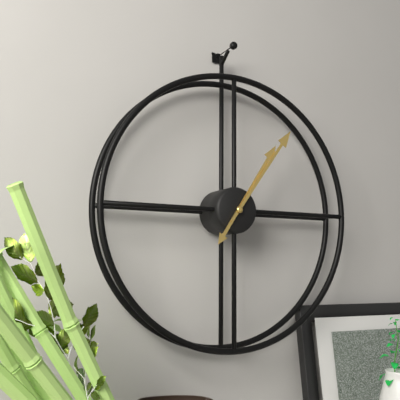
1:06
